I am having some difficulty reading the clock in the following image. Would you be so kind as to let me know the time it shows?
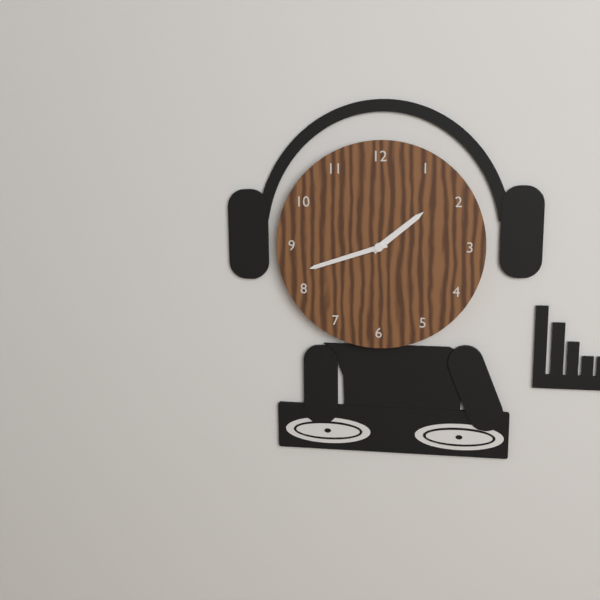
1:42
